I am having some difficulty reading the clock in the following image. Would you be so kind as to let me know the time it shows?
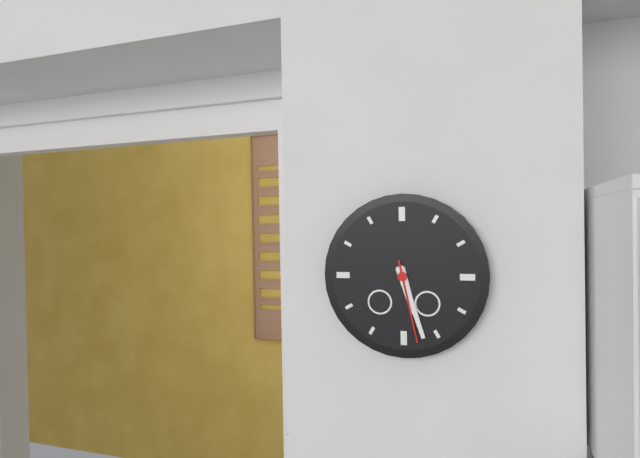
5:27:28
